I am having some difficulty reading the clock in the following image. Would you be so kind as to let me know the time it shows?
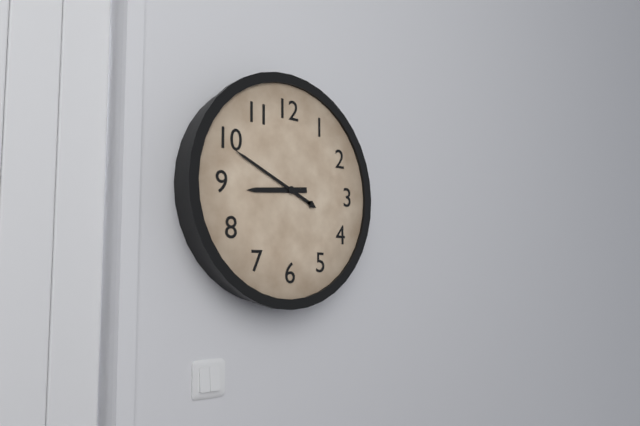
8:49
